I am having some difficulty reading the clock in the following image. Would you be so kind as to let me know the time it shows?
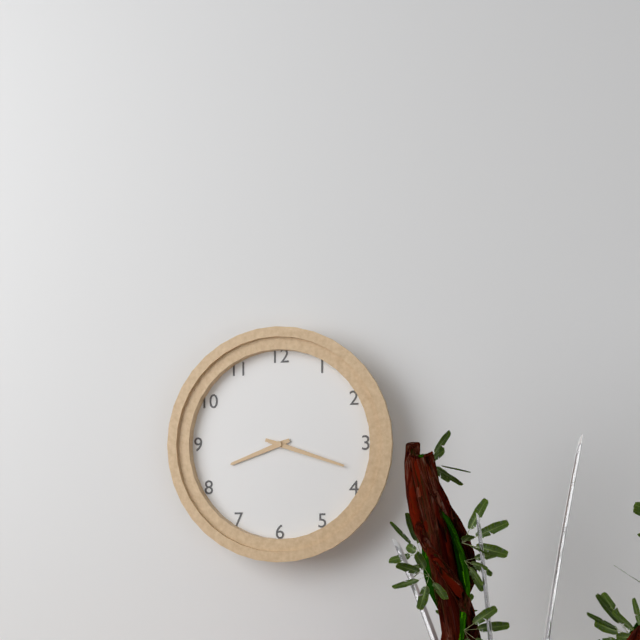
8:18
